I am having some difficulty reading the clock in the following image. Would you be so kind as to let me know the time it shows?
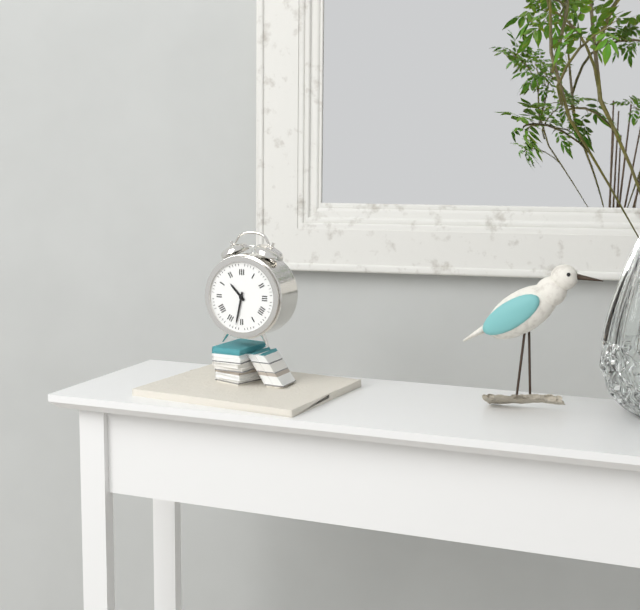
10:32
